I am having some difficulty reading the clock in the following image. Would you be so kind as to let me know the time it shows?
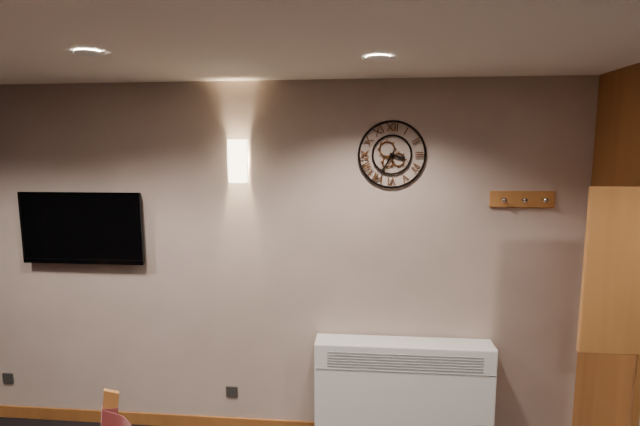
3:35
